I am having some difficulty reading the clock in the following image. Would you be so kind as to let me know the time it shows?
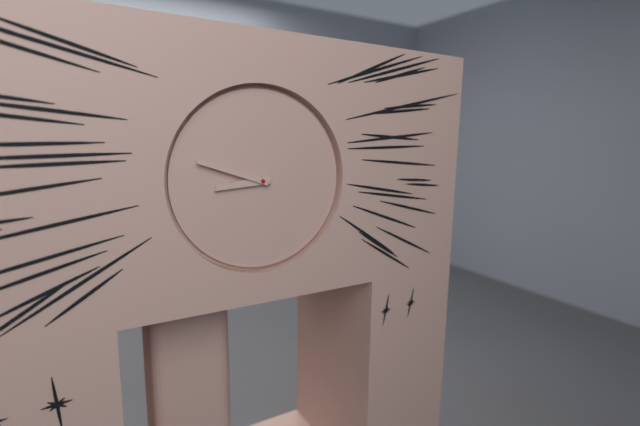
8:48
